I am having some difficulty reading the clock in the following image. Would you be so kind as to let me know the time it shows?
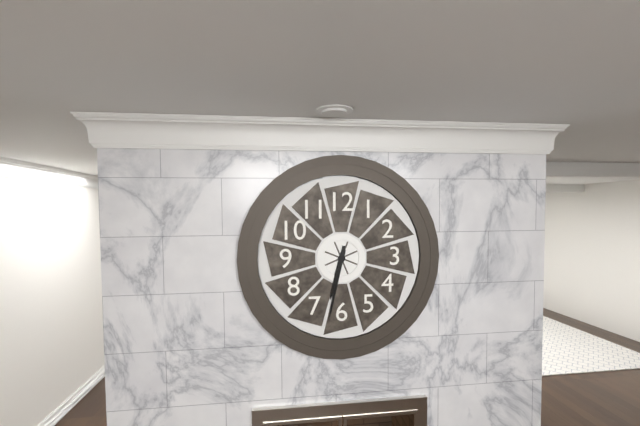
6:32
